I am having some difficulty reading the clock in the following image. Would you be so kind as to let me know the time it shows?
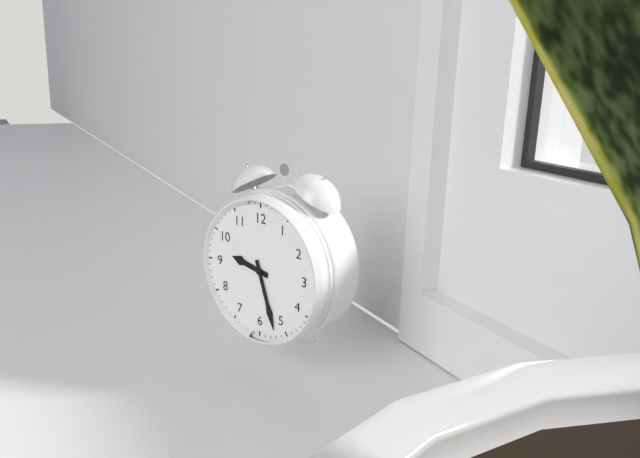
9:27
